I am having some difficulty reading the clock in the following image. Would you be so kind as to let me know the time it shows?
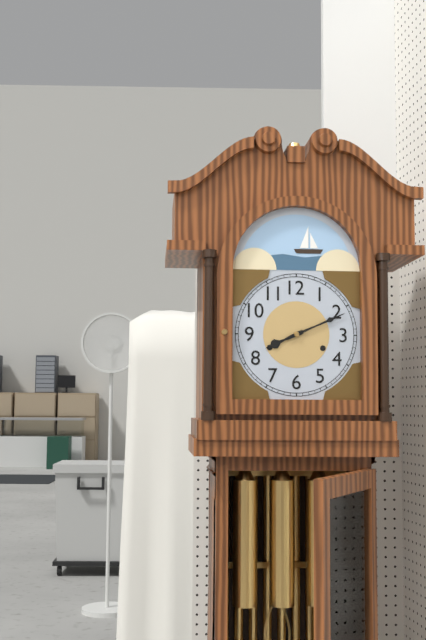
8:11
